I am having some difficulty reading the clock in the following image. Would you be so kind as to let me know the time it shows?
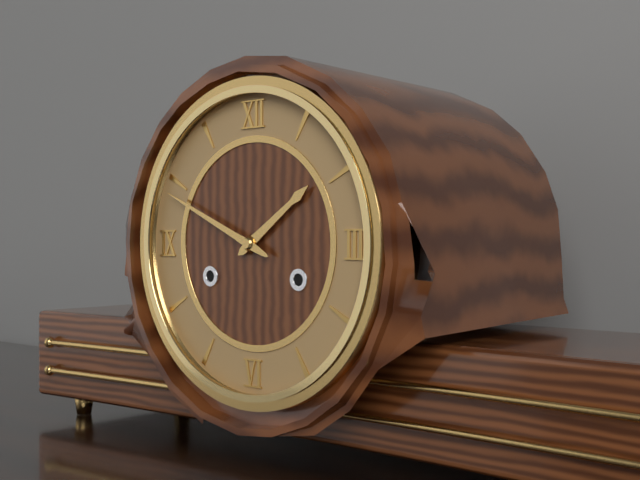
1:49
